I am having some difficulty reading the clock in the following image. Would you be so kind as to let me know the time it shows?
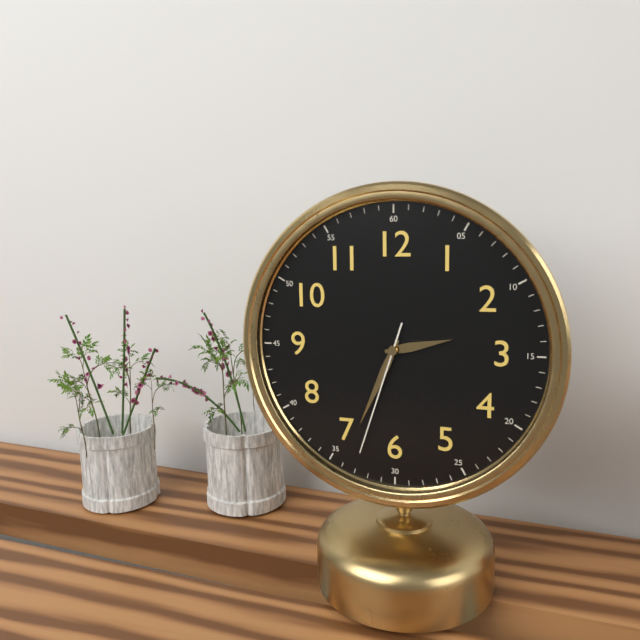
2:34:33
